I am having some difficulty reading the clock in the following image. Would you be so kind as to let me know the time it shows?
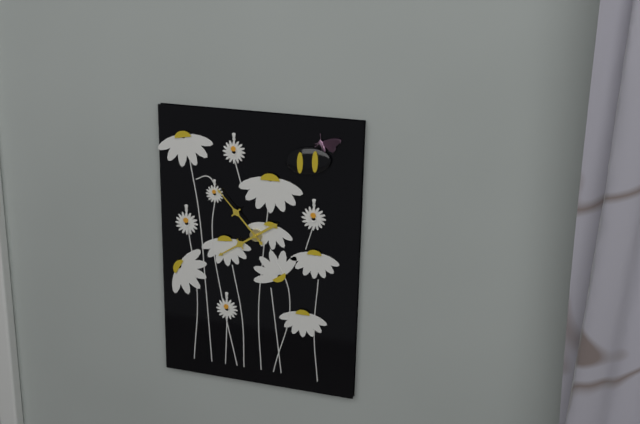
7:53
